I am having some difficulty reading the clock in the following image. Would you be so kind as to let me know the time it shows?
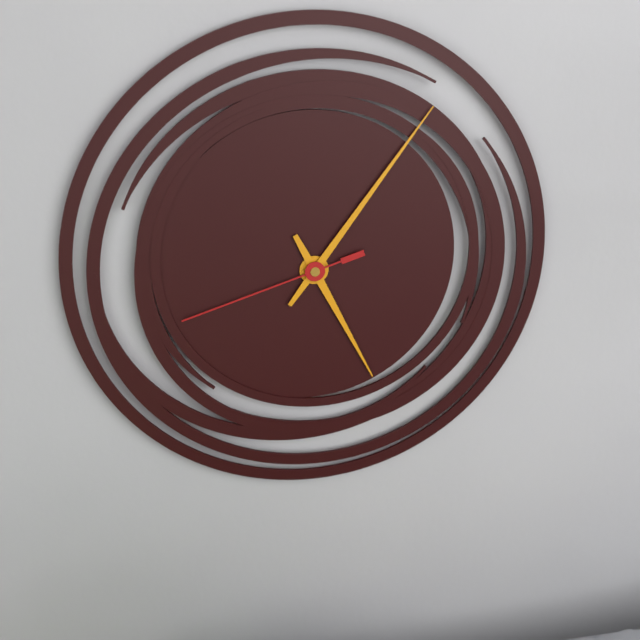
5:06:42
